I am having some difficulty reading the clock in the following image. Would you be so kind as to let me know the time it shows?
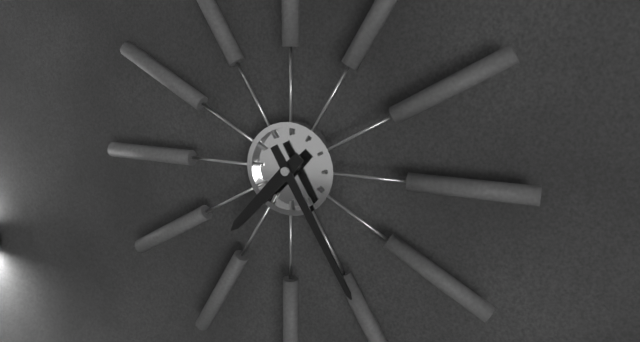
7:25
